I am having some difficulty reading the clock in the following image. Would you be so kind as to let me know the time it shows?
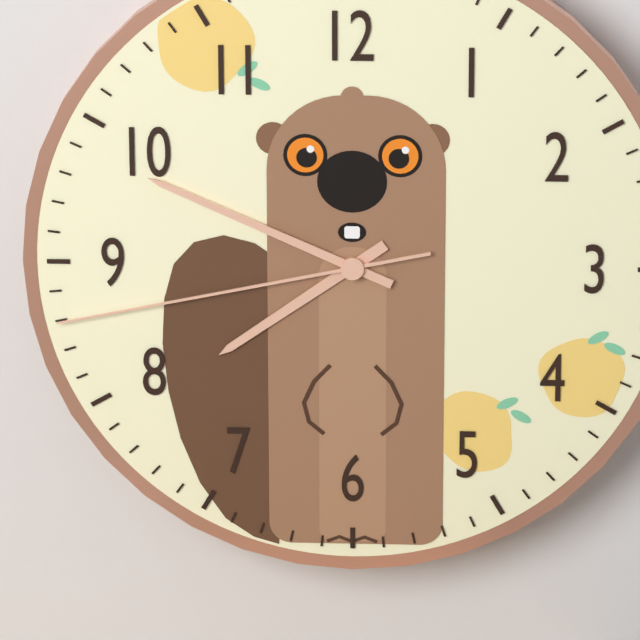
7:49:43
